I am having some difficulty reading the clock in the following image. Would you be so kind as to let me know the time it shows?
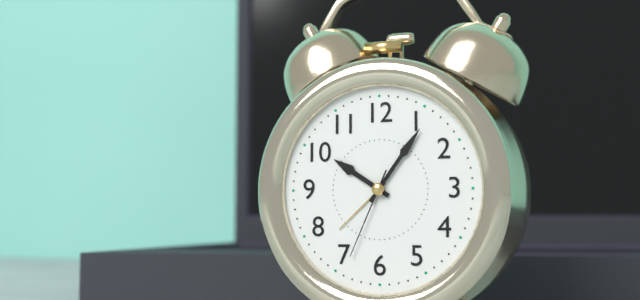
10:06:34
